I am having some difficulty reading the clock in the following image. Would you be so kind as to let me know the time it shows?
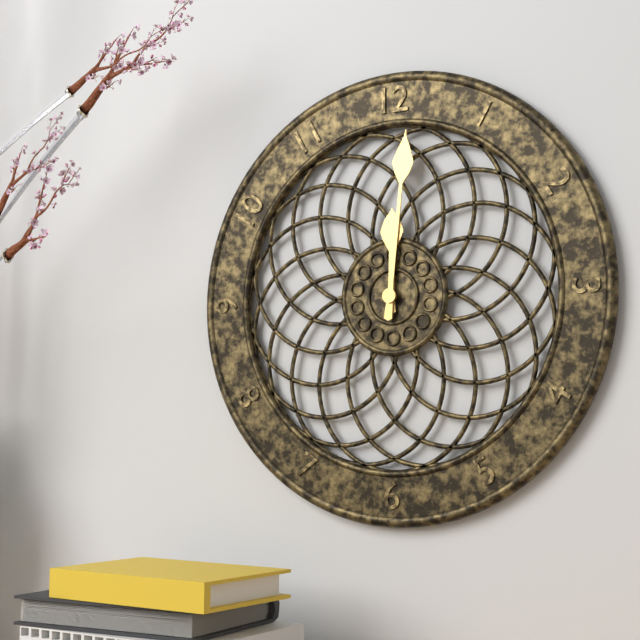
12:01
